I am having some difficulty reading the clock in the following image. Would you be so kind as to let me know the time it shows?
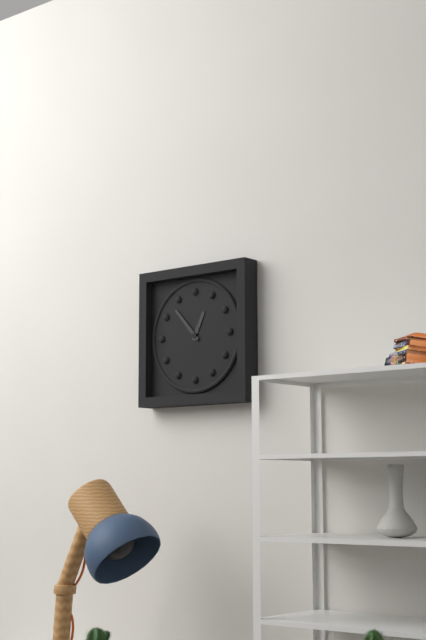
12:53
